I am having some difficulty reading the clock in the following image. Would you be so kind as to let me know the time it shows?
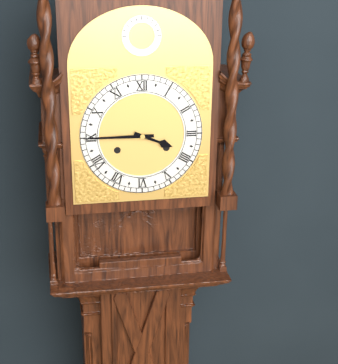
3:45
